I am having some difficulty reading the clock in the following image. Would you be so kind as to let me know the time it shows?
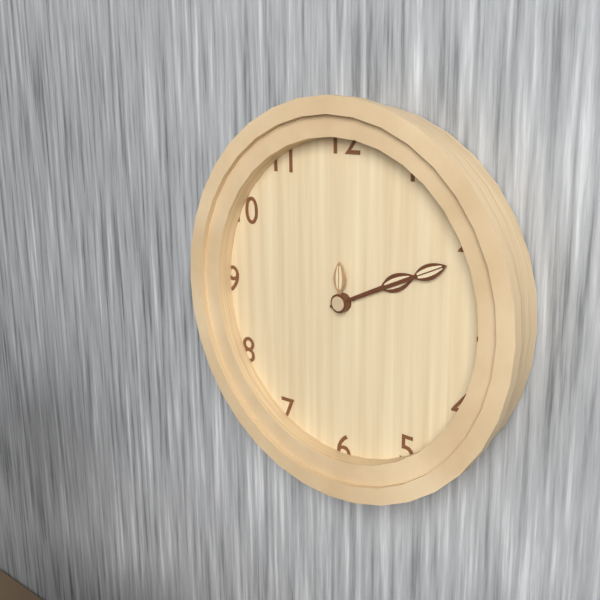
2:11:00
